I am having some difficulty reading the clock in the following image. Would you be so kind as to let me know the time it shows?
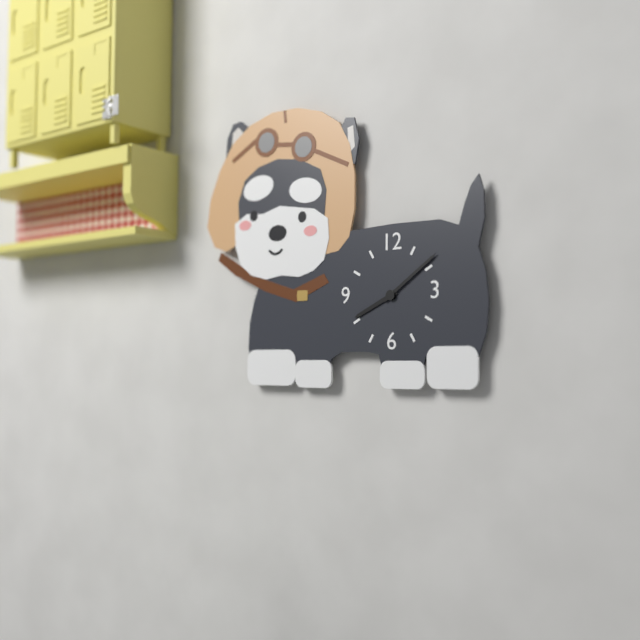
8:09
